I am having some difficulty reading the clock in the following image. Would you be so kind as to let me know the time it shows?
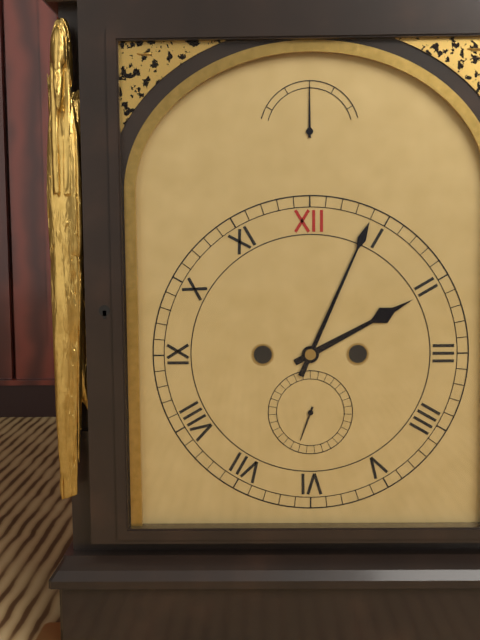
2:04
